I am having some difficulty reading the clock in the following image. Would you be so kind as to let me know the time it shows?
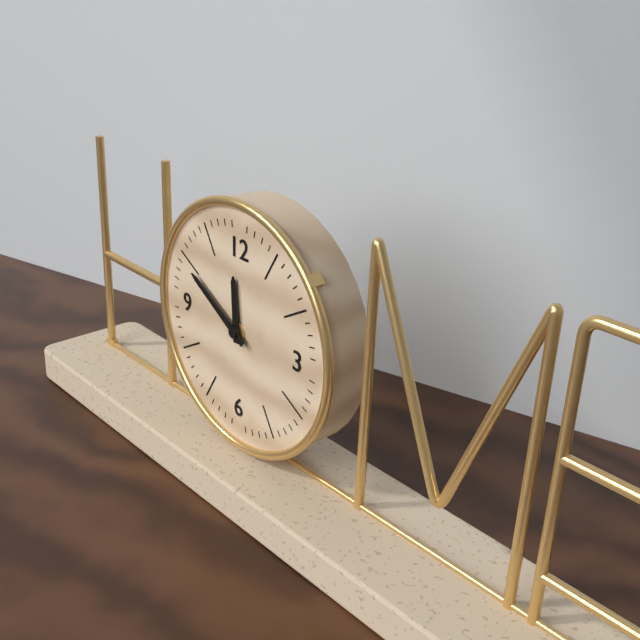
11:50
